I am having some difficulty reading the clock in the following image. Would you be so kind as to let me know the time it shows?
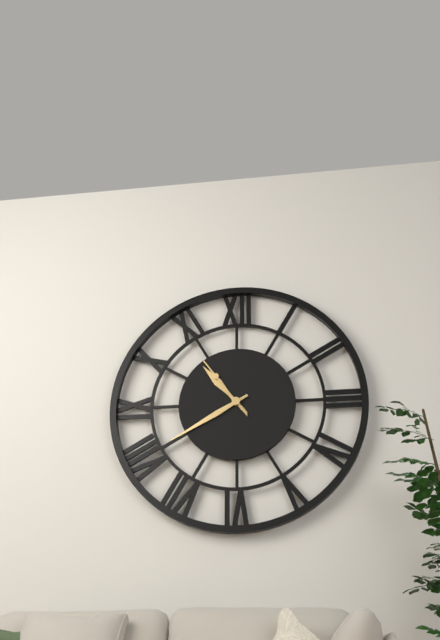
10:40:54
